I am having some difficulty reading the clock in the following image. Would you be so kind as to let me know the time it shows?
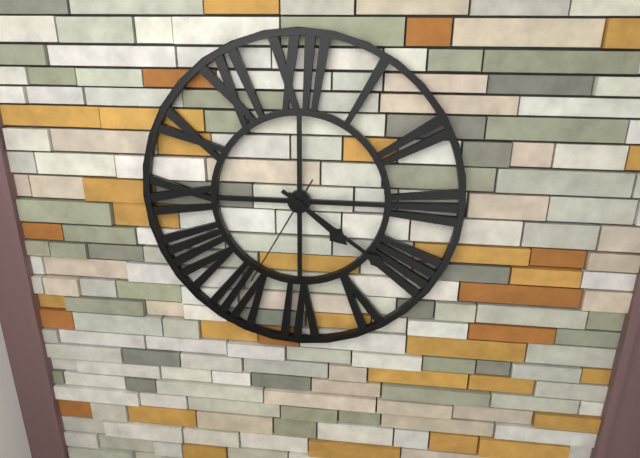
4:21:35
